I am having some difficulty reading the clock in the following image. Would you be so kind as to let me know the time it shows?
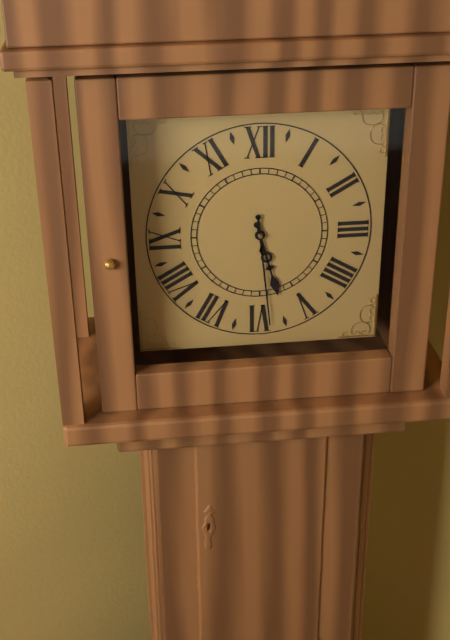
5:29
